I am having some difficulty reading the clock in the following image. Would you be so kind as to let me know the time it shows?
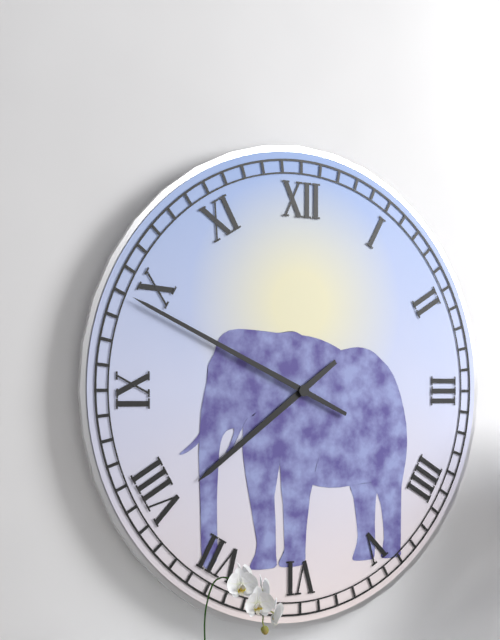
7:49
